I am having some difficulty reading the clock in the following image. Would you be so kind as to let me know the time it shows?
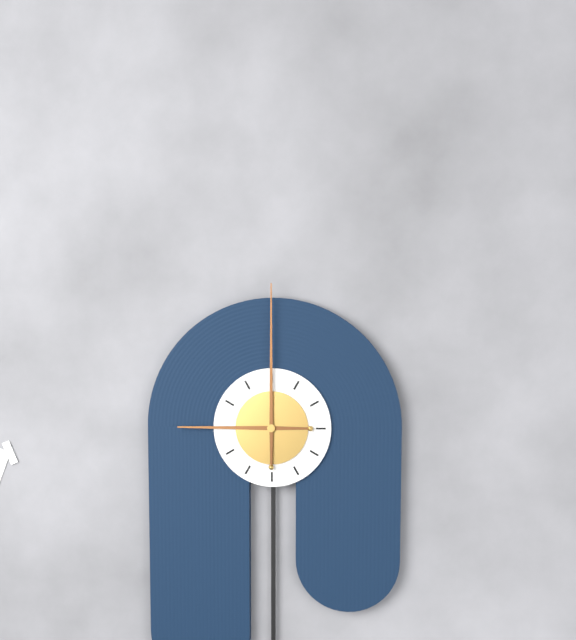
9:00
